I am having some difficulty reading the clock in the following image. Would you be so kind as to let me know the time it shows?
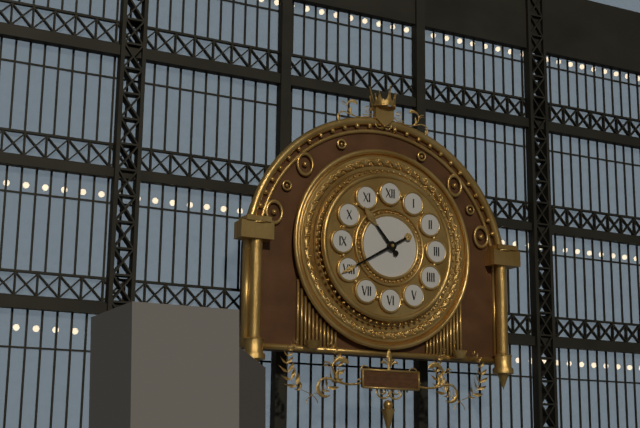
10:40
